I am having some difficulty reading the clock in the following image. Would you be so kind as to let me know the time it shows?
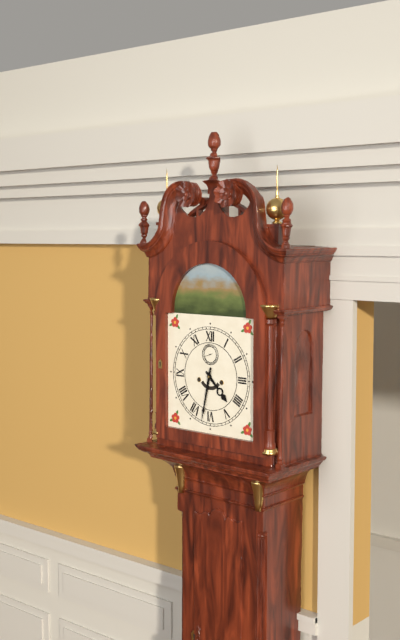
4:32
